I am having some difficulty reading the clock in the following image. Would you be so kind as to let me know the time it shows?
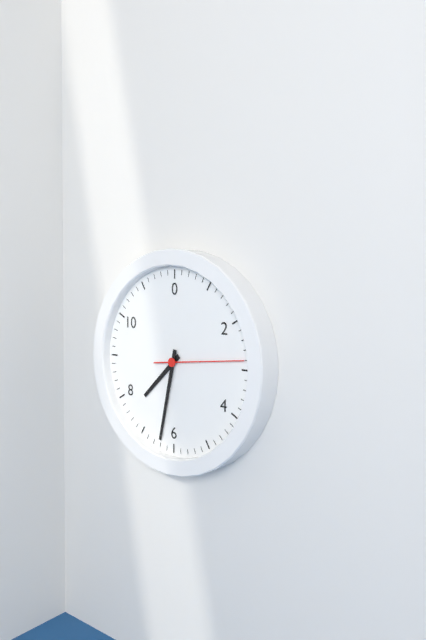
7:32:14
